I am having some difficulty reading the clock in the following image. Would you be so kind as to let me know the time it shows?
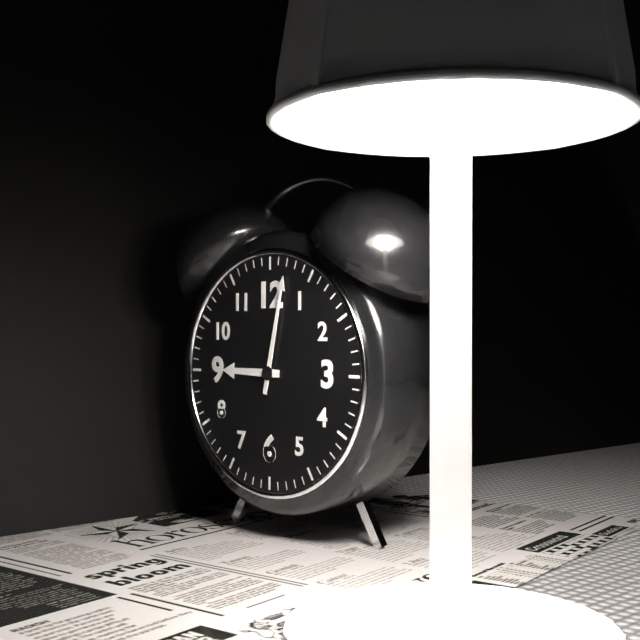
9:02
